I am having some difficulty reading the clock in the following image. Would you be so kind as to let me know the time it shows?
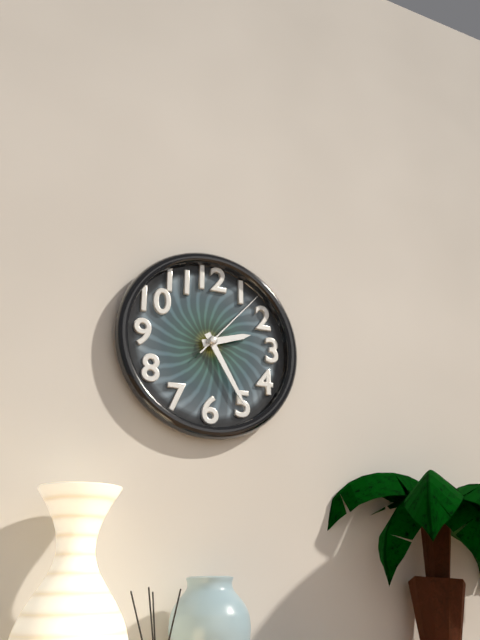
2:25:07
